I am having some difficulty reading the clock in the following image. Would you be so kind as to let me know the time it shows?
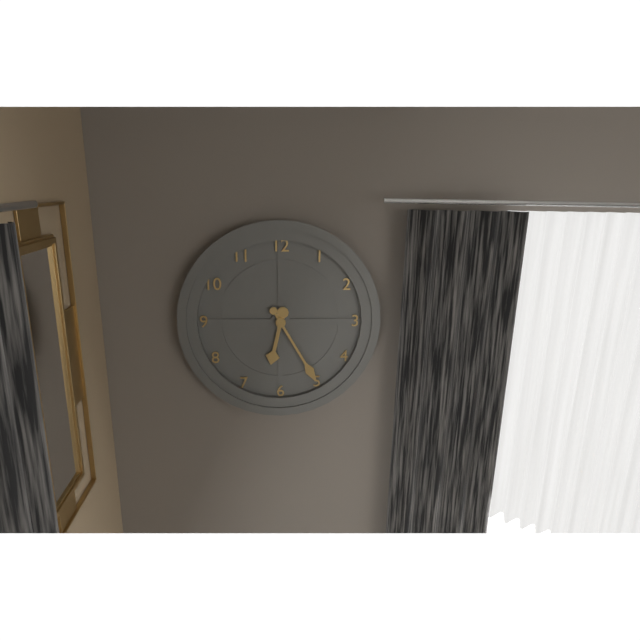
6:25
